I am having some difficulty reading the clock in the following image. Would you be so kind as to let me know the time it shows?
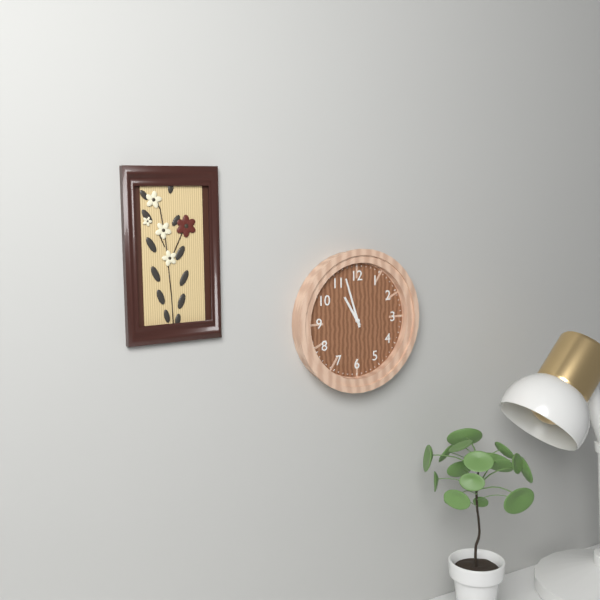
10:57
